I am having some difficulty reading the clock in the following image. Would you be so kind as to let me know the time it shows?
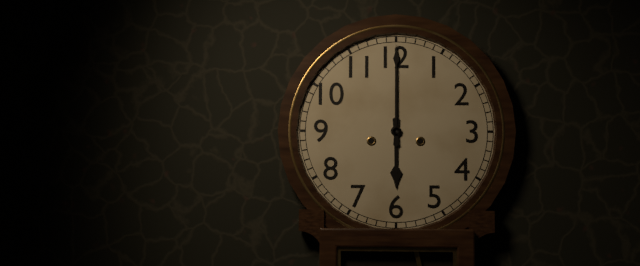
6:00
